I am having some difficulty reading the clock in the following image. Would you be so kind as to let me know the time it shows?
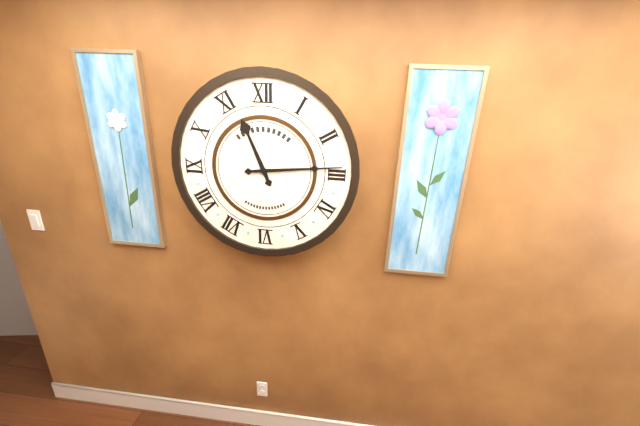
11:14
